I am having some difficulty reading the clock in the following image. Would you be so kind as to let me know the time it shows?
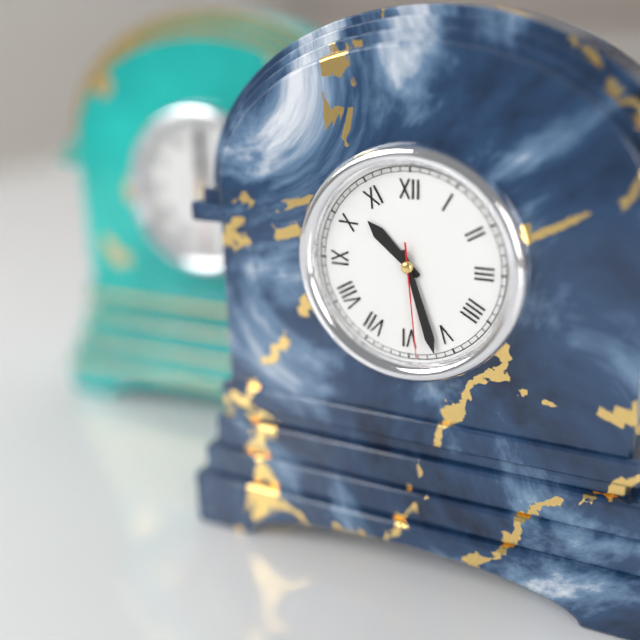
10:27:29
